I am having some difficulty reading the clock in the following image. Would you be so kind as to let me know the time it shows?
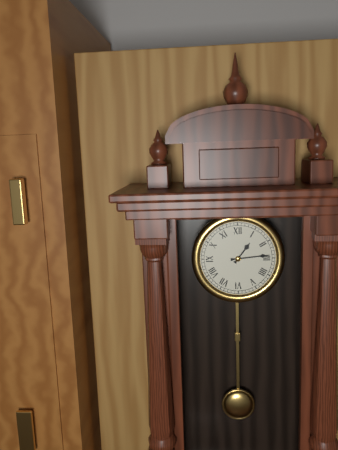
1:14
